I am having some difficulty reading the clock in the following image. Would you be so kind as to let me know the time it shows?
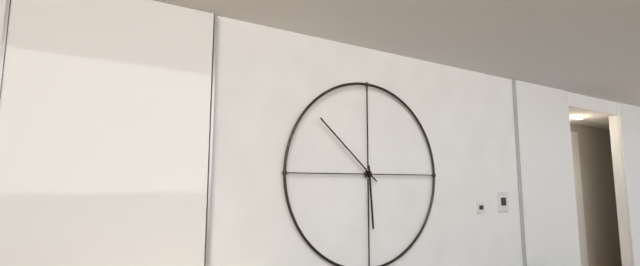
5:52
